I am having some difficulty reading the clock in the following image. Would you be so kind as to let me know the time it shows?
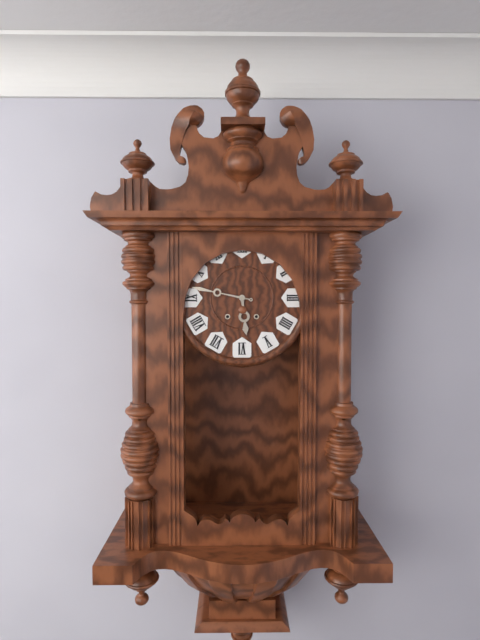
5:47
